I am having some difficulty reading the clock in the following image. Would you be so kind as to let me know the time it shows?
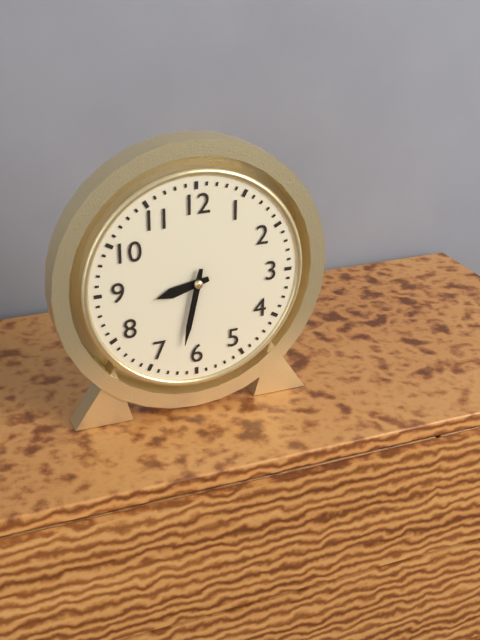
8:32
